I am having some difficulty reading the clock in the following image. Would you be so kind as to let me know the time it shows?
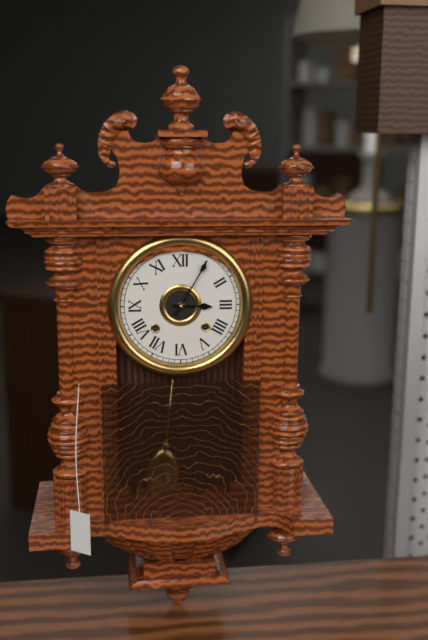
3:05
